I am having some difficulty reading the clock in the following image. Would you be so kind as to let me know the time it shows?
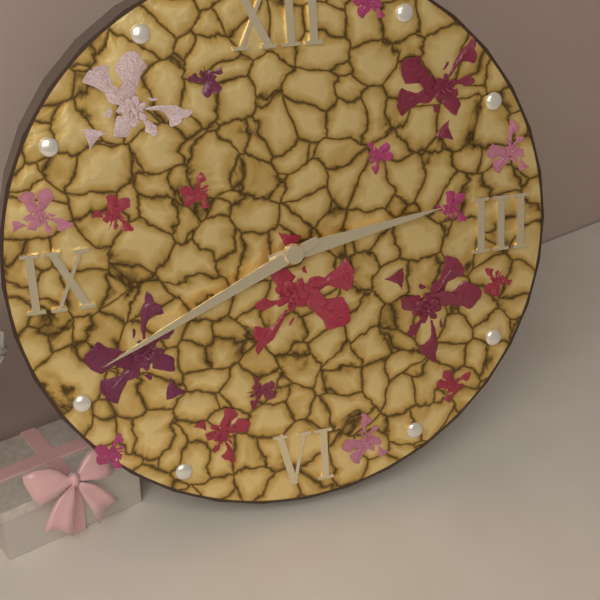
2:41
